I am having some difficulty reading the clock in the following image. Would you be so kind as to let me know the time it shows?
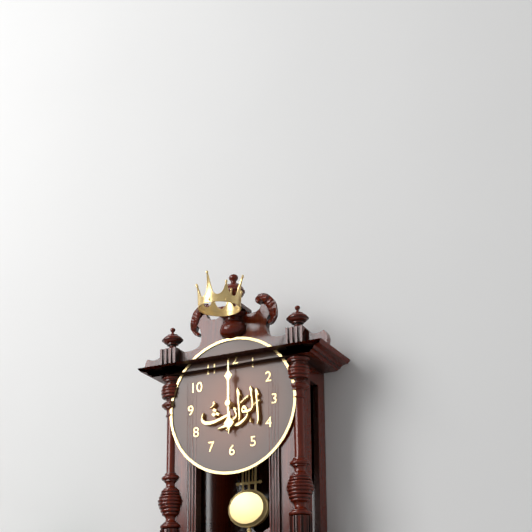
6:00
